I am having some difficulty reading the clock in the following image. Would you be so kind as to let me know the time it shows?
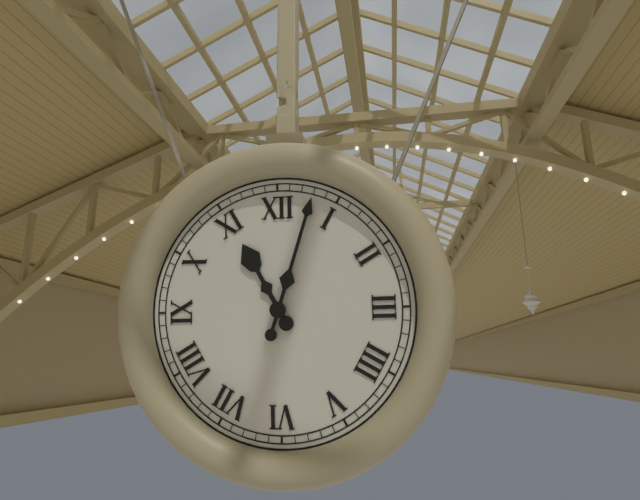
11:03
